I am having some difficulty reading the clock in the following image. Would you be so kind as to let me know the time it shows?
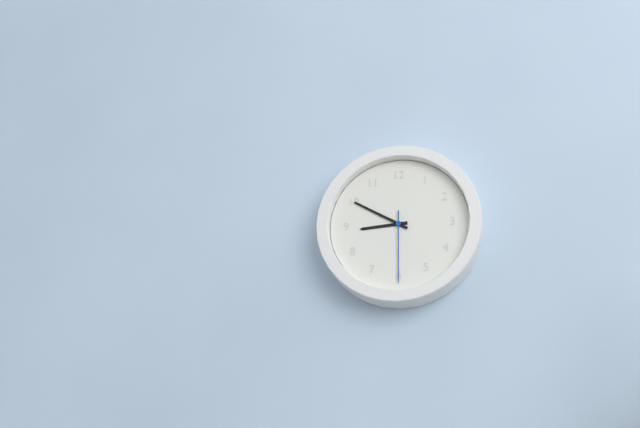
8:50:30
